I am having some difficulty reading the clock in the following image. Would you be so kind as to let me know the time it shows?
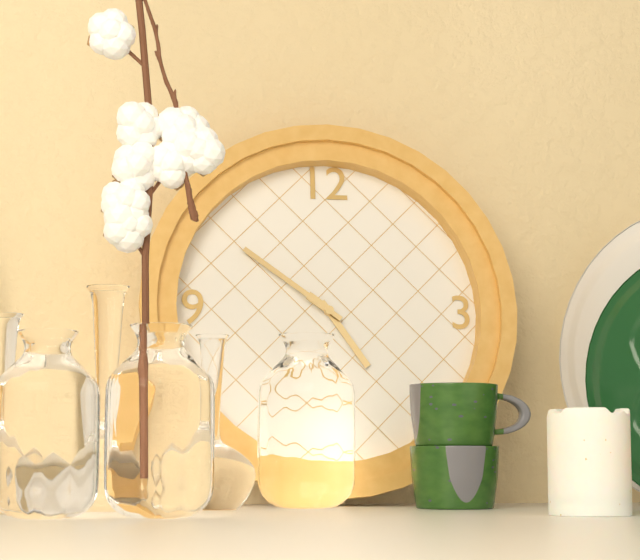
4:51
